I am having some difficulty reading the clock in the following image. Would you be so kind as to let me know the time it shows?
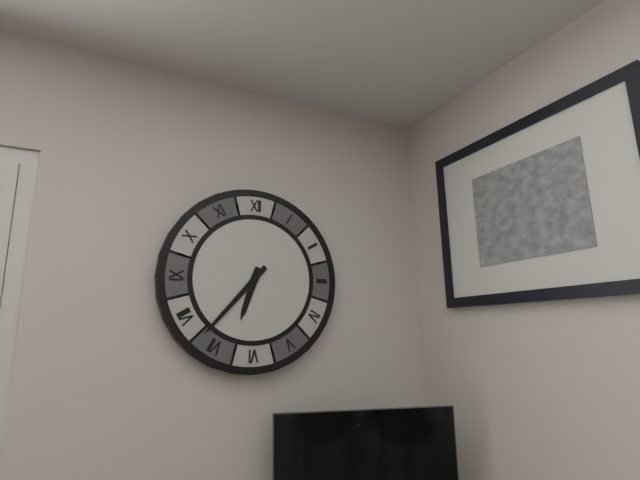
6:37
